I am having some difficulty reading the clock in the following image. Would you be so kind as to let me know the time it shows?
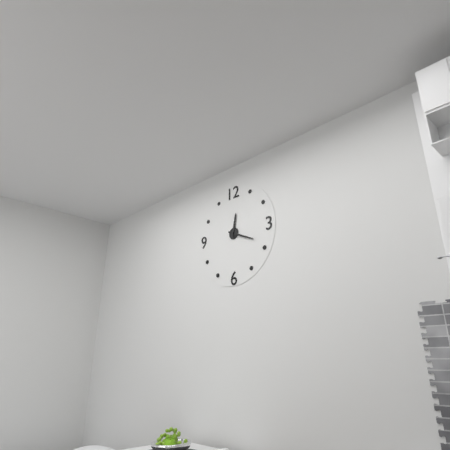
12:19
